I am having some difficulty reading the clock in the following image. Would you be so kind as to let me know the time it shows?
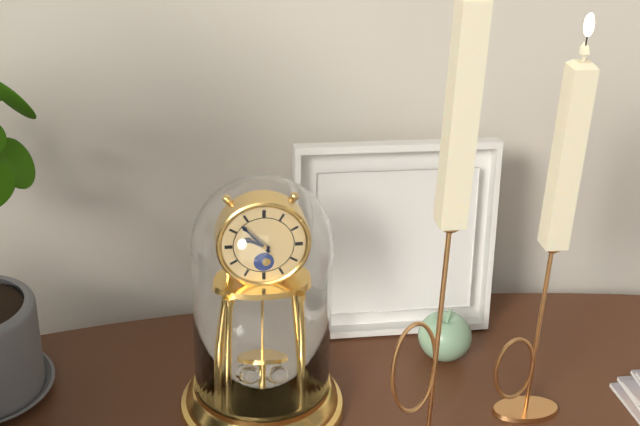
9:53
